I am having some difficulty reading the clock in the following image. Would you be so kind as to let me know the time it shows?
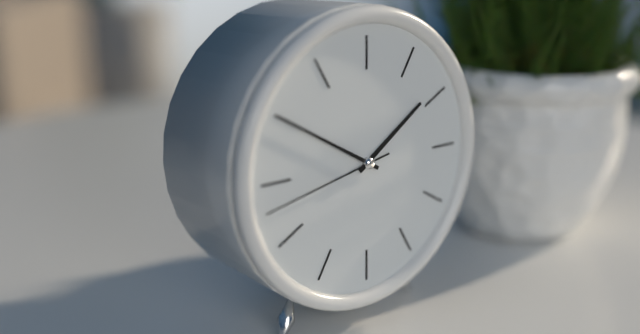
1:50:43
